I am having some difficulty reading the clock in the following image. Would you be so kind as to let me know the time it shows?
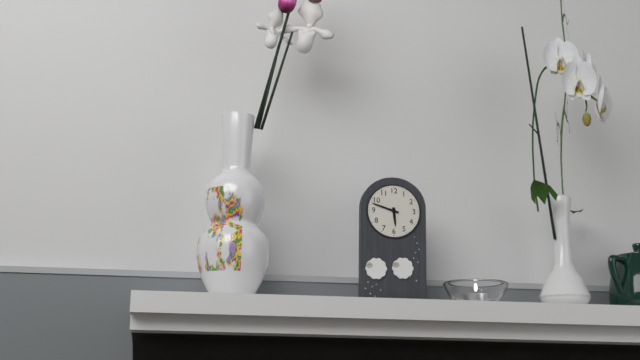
5:48
